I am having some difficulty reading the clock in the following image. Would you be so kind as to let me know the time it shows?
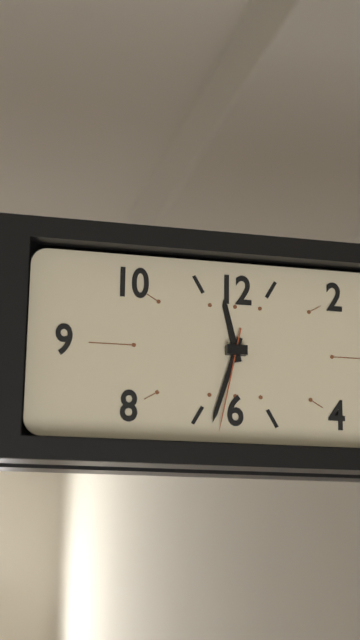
11:33:32
